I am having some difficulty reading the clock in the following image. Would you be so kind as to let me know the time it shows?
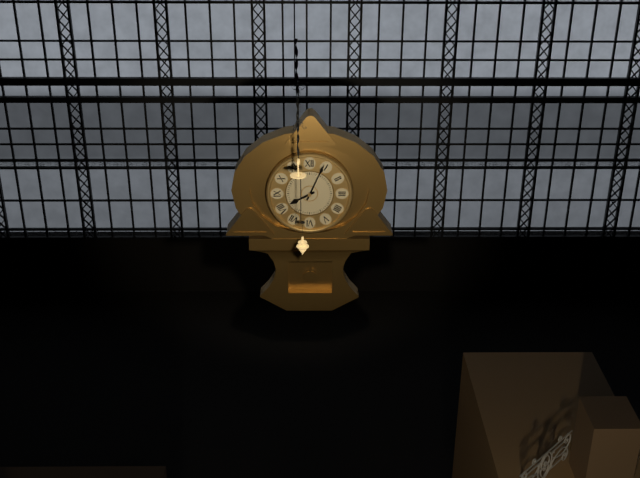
8:04
